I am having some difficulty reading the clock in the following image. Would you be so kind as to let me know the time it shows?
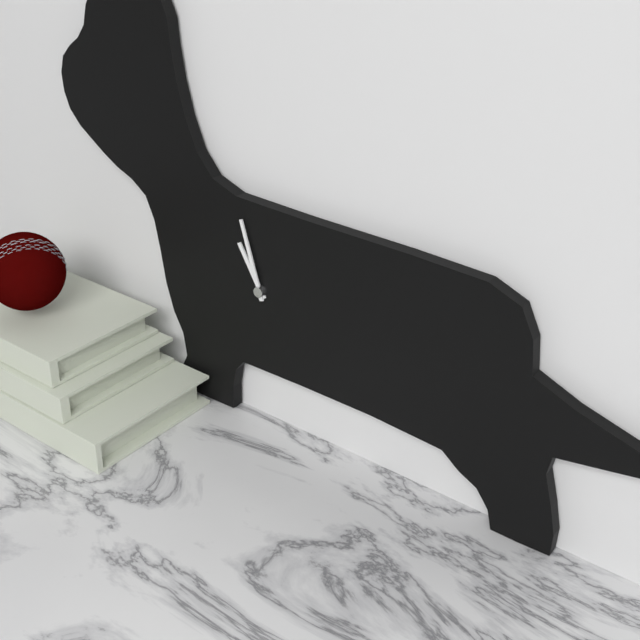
10:57
